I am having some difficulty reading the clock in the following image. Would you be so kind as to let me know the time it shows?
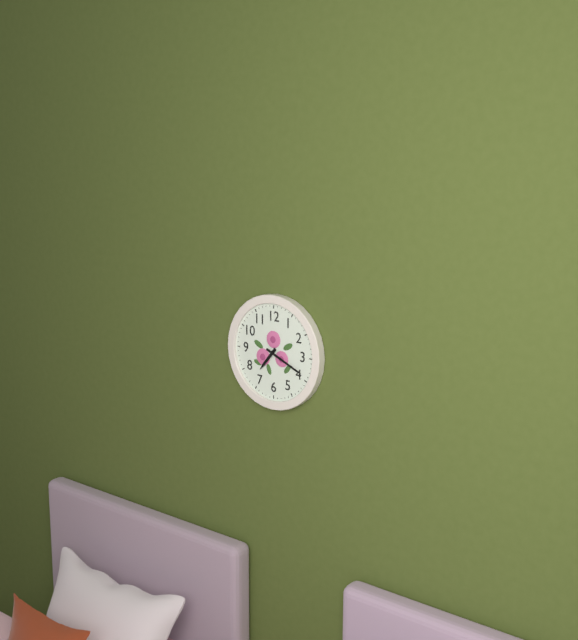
7:19
